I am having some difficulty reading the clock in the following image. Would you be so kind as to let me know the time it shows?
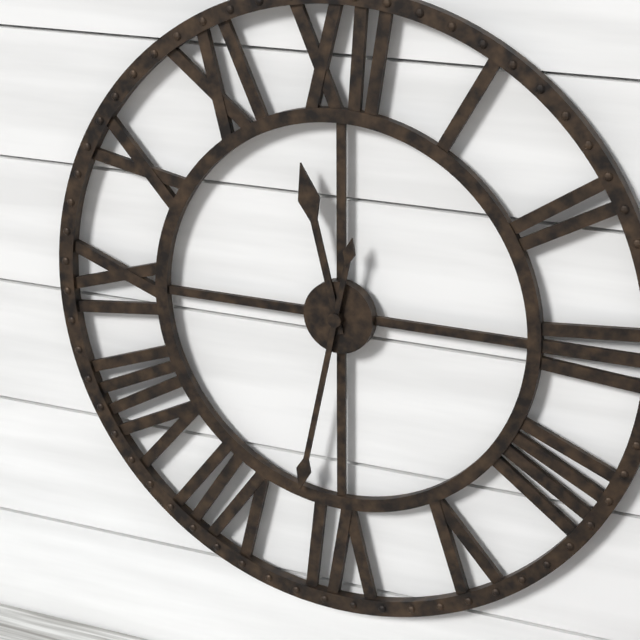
11:32
